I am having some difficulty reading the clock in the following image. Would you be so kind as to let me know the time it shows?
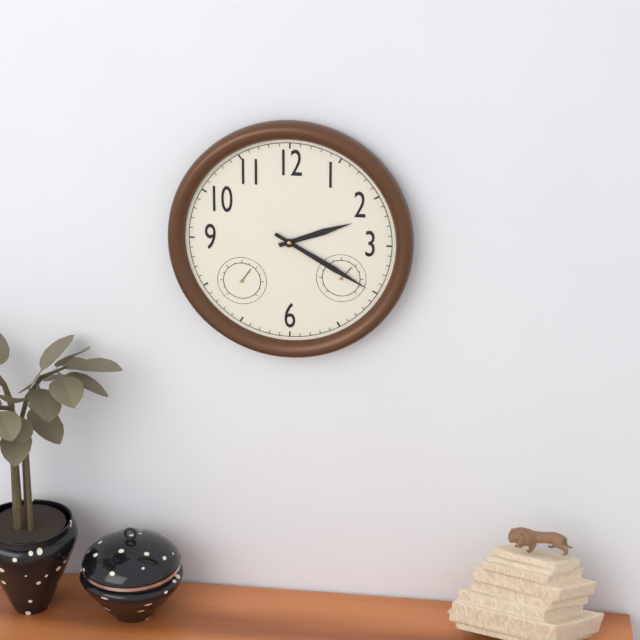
2:20
